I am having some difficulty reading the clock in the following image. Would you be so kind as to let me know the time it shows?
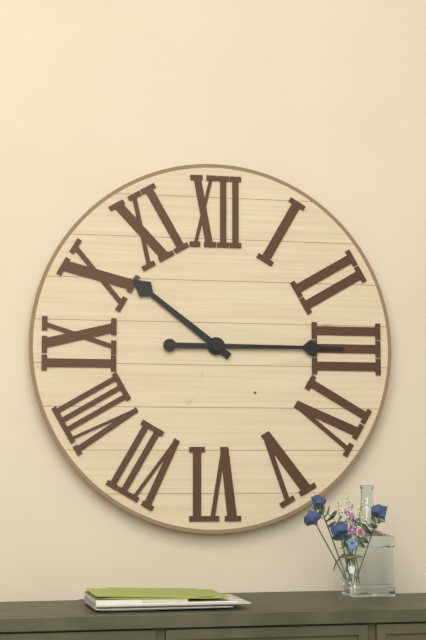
10:15
